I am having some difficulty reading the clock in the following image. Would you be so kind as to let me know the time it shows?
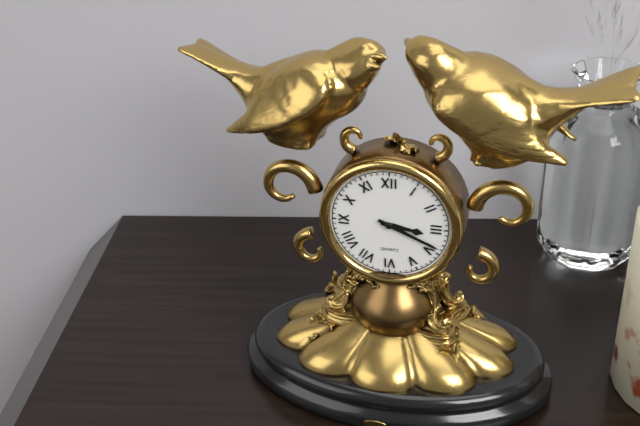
3:19
